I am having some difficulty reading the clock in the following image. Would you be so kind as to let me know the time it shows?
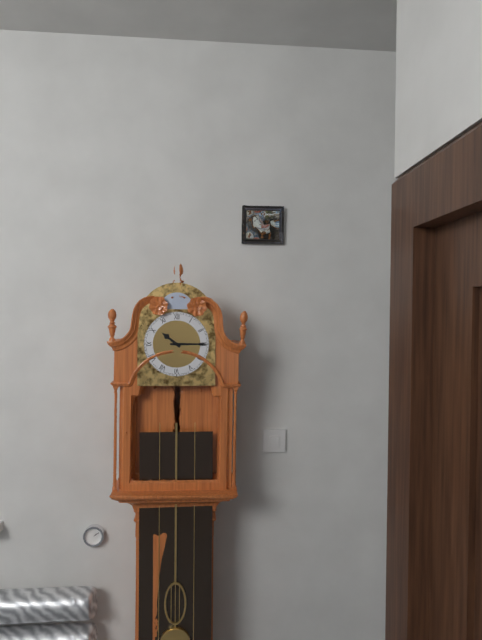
10:15
